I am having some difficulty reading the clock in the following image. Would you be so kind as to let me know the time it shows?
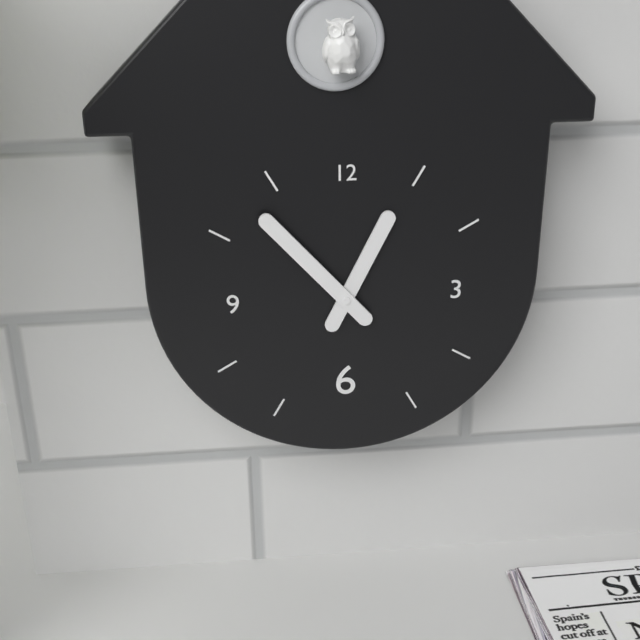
12:53
